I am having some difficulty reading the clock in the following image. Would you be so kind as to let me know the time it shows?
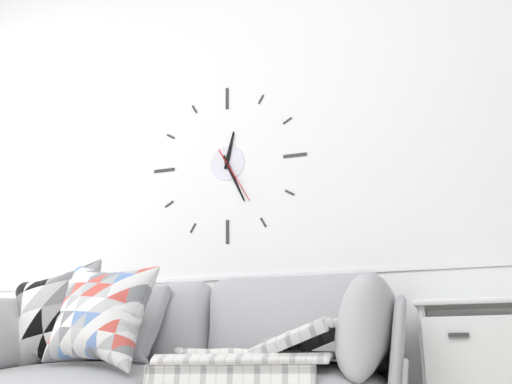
12:26:25
